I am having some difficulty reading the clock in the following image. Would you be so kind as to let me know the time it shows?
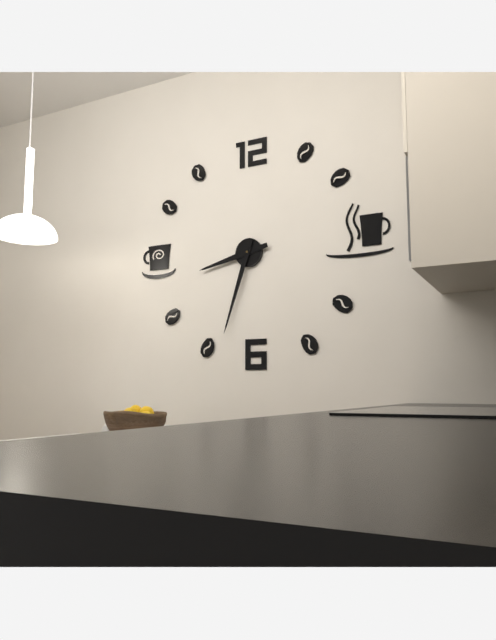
8:33
